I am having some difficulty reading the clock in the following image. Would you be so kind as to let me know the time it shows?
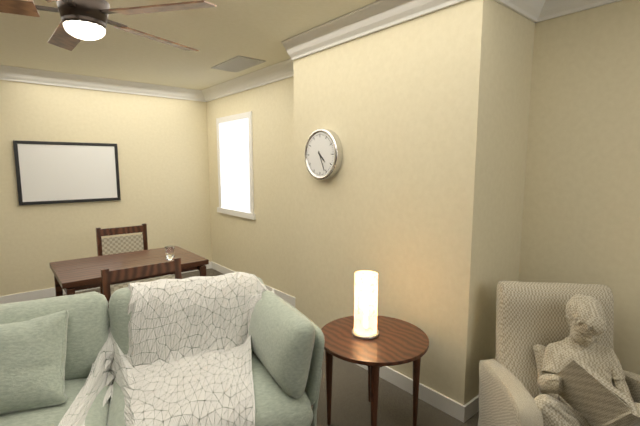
4:26
